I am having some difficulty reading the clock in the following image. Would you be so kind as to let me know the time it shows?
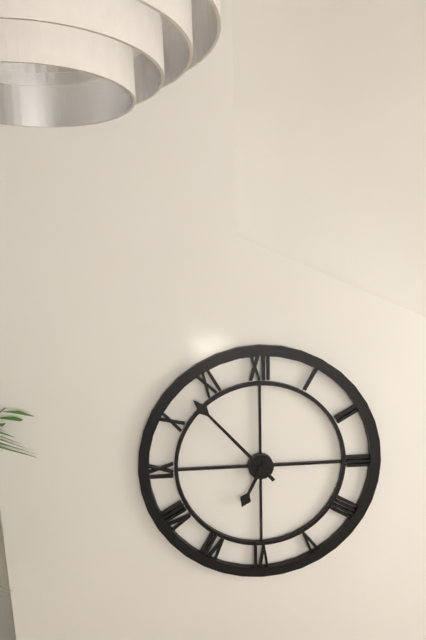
6:53
